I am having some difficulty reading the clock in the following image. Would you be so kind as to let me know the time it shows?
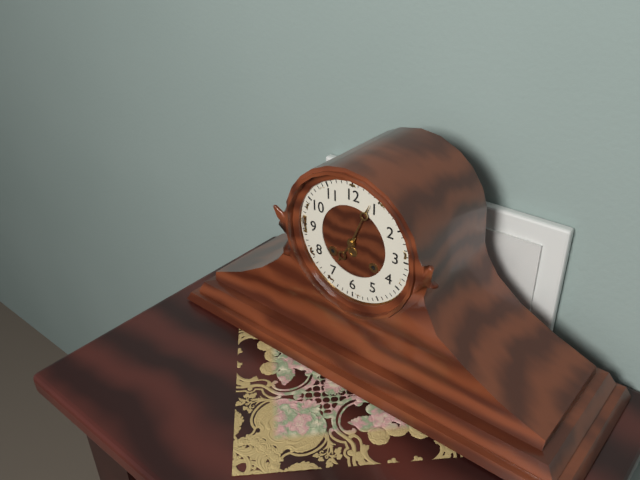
7:04
